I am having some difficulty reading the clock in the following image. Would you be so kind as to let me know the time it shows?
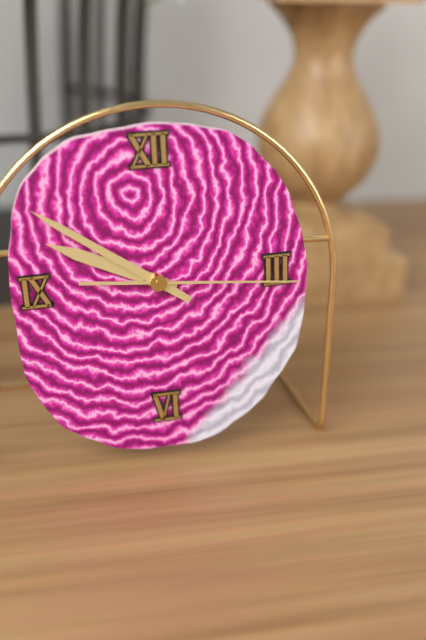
9:51:16
